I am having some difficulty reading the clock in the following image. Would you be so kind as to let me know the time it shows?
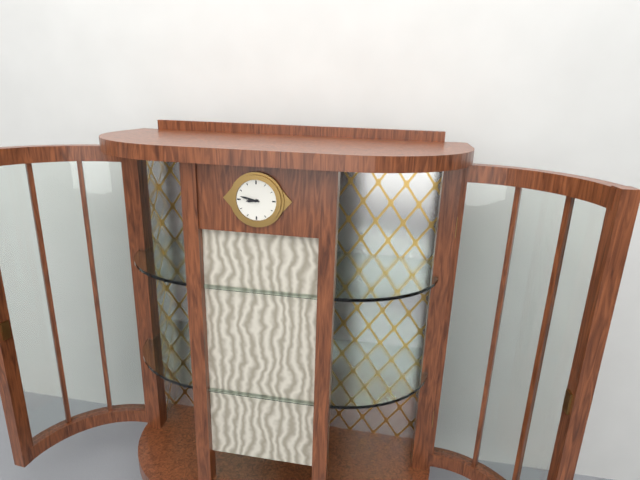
8:47
